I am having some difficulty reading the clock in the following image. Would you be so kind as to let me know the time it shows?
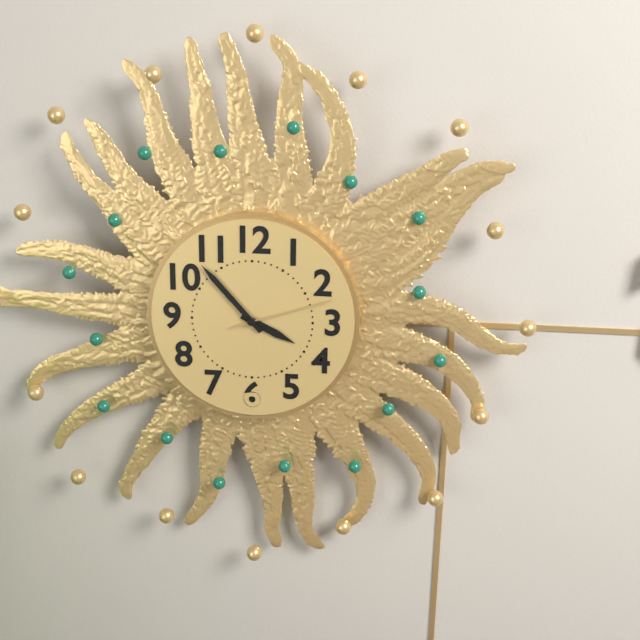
3:53:12
